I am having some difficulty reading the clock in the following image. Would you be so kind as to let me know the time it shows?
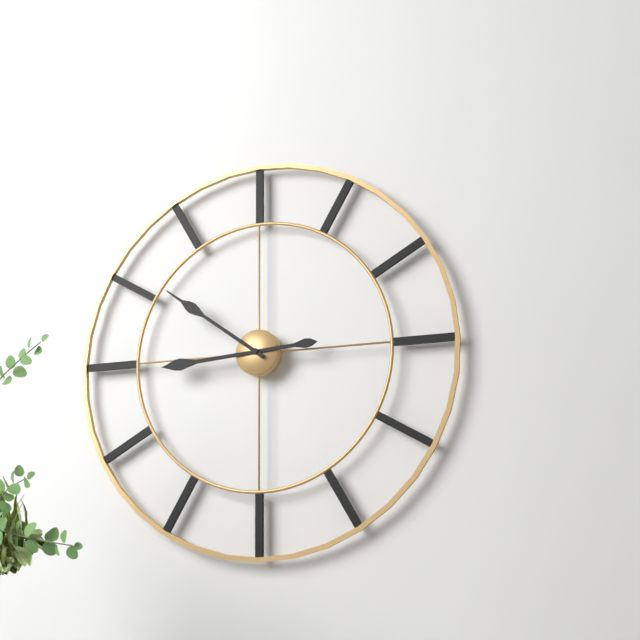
8:51
